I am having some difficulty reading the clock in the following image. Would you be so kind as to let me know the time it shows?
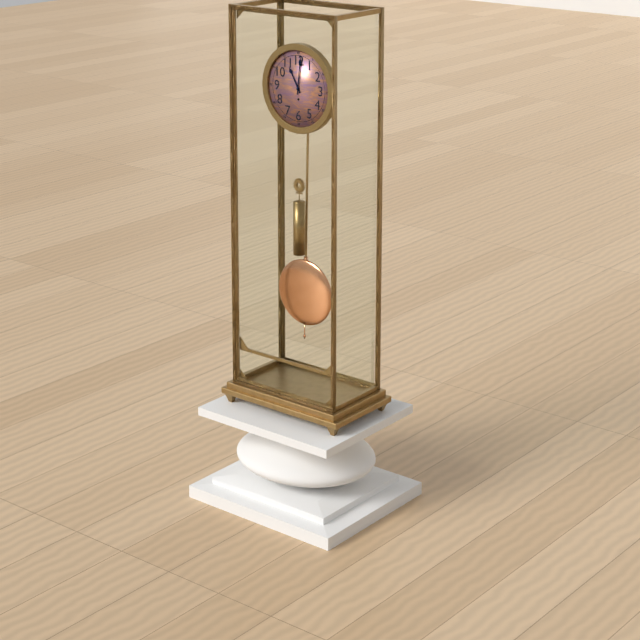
11:01
